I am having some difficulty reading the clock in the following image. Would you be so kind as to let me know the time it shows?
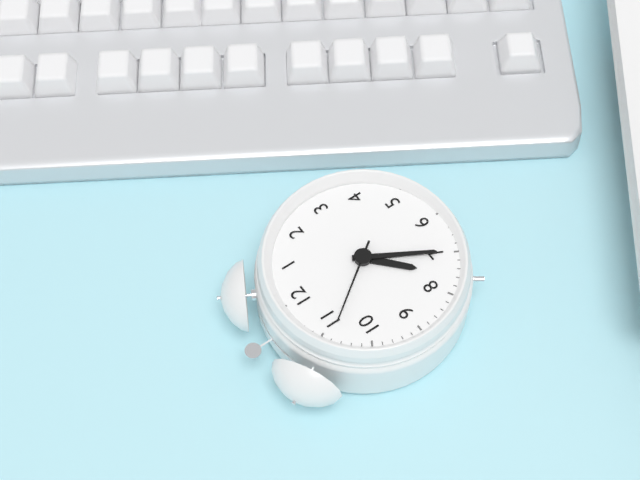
7:35:54
